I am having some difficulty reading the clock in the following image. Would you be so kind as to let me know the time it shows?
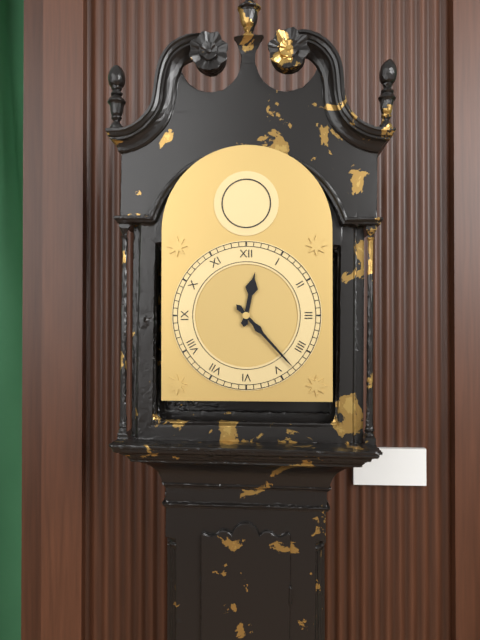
12:23
